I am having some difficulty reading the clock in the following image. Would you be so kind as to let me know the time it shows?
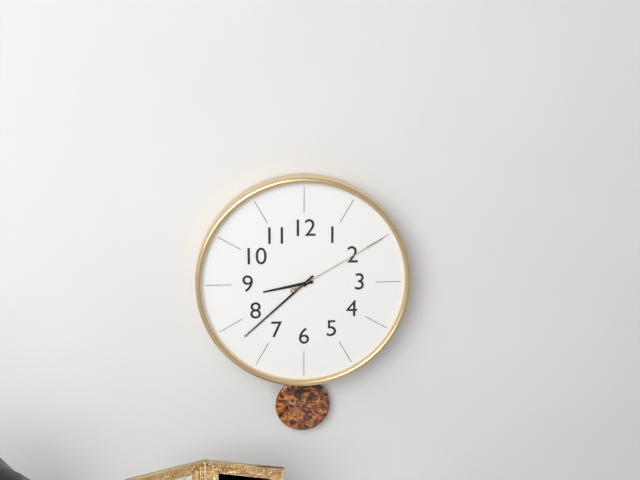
8:38:10
